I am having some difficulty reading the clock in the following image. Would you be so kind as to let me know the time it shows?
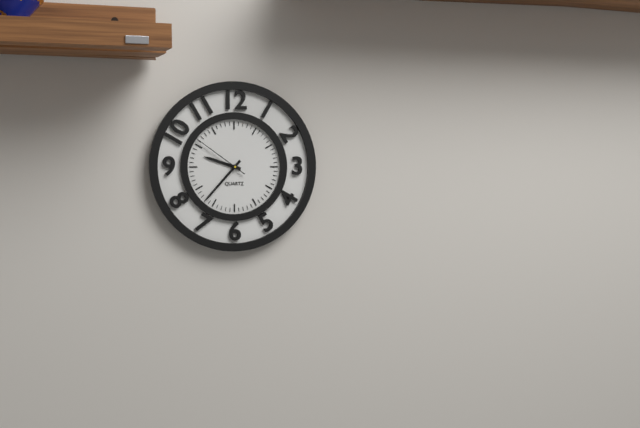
9:37:51
